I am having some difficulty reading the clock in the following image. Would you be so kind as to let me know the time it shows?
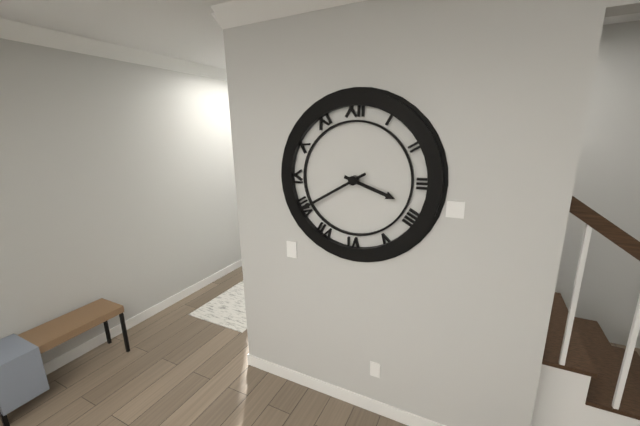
3:40
